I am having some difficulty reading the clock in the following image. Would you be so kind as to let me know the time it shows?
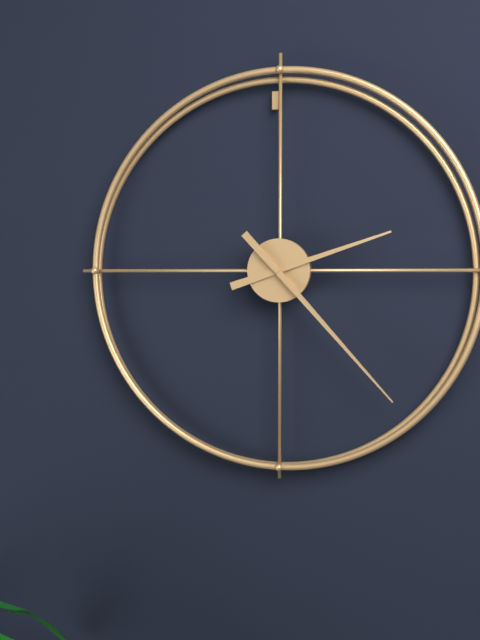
2:23
